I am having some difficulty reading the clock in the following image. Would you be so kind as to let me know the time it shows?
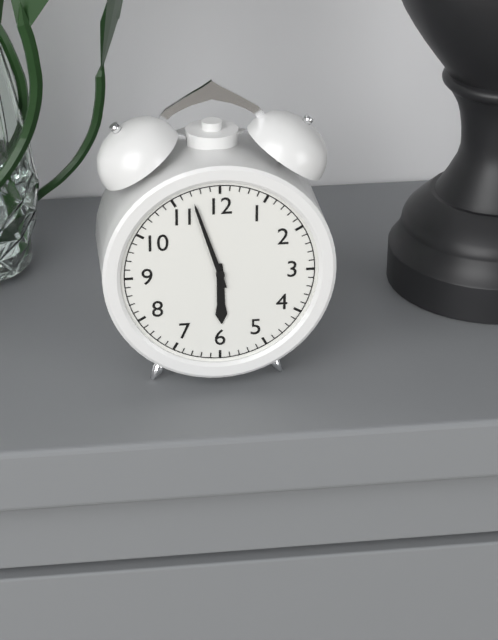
5:57
